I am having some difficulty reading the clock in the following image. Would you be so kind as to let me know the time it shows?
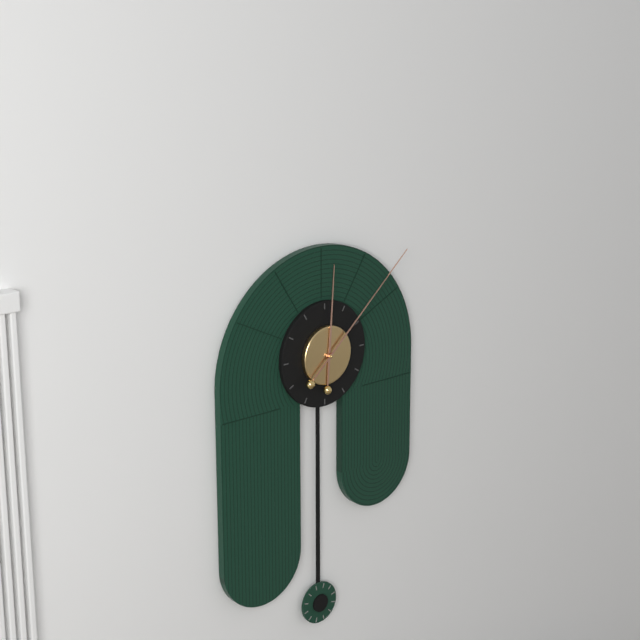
12:08
